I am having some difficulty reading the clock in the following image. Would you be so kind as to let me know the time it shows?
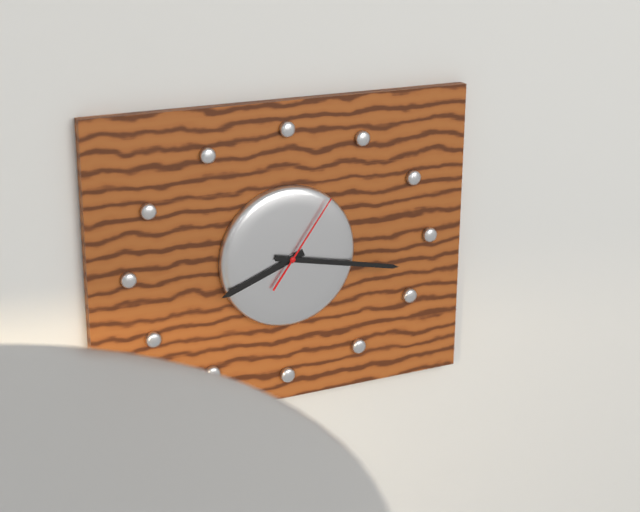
8:17:06
